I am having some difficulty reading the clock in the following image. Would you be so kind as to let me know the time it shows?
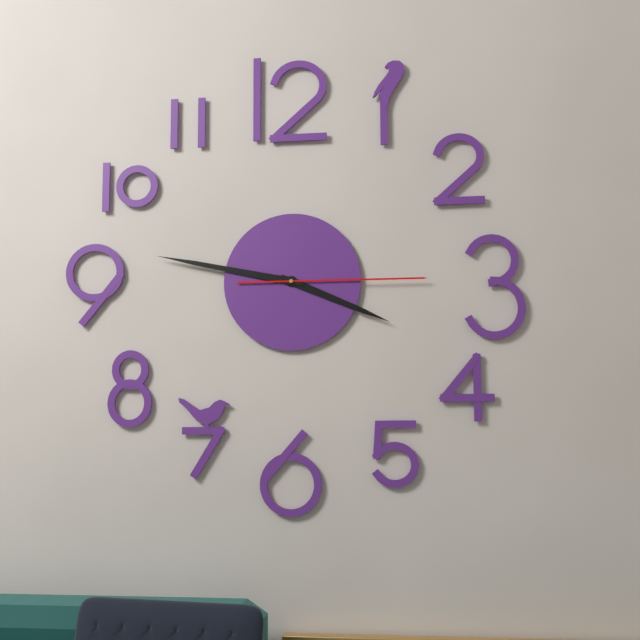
3:47:15
